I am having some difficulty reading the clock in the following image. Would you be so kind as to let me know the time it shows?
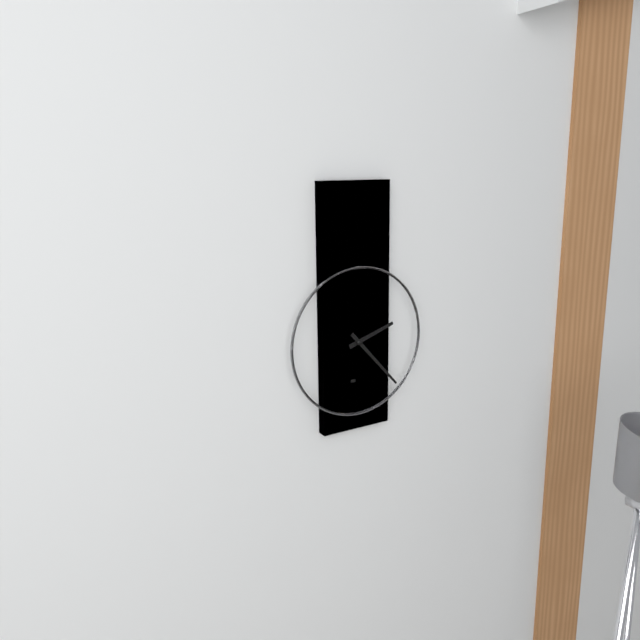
2:23
